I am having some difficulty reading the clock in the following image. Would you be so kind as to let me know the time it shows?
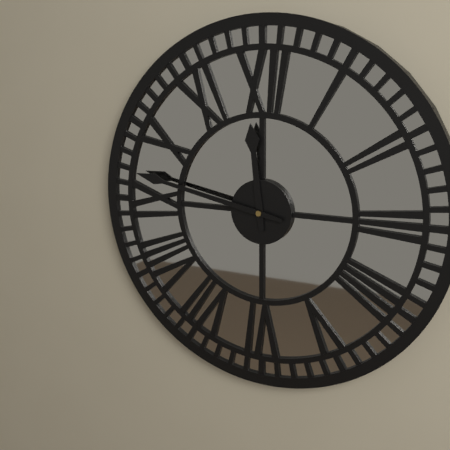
11:47
